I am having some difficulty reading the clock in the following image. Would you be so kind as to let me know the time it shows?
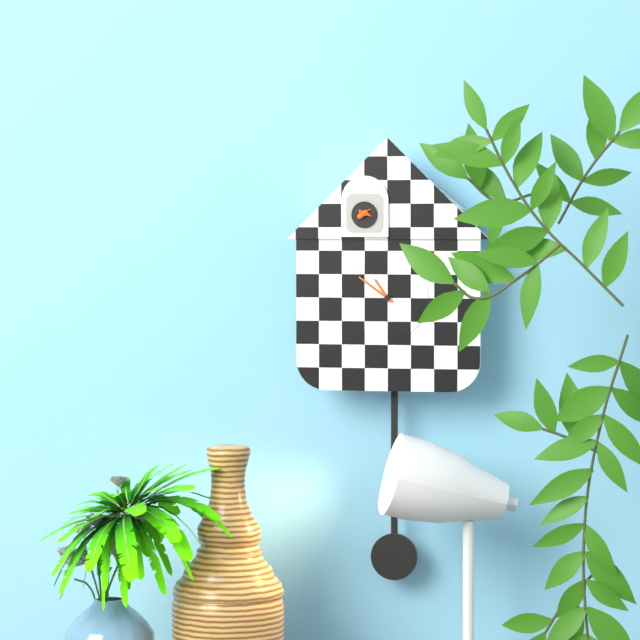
10:51
